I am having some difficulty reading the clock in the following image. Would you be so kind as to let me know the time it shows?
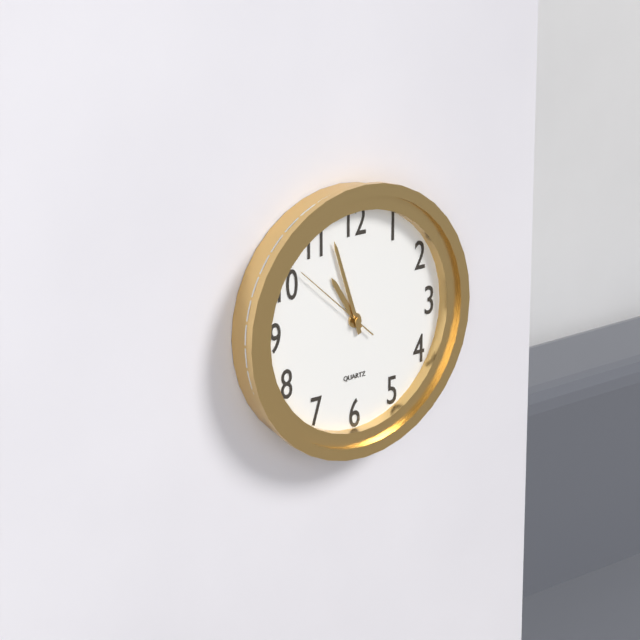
10:57:52
